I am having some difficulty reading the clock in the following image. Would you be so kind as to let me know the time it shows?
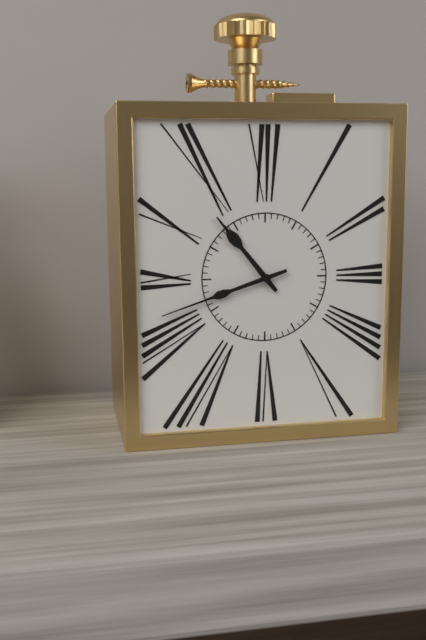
10:42
